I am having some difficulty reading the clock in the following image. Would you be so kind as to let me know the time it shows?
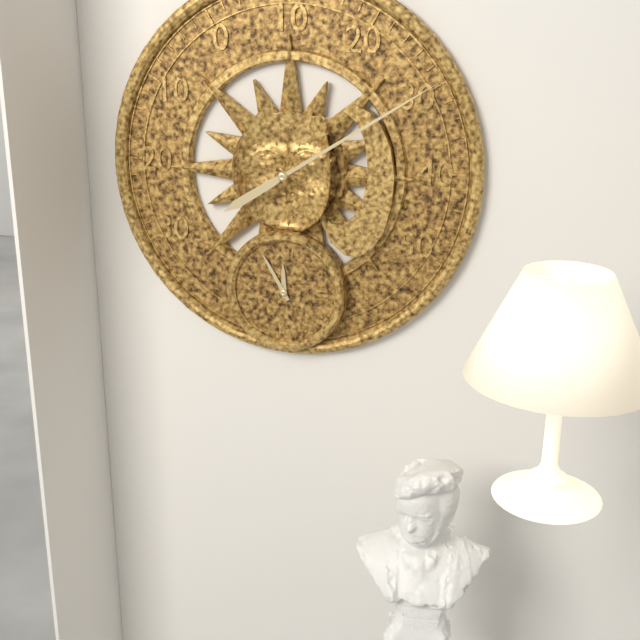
11:55
